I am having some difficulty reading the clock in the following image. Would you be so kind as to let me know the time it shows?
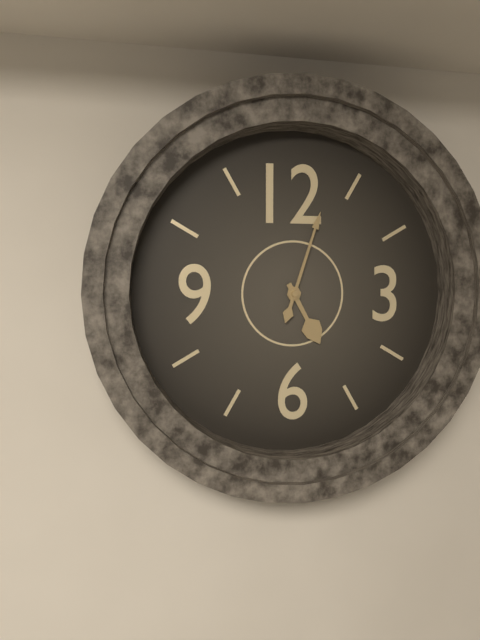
5:03
